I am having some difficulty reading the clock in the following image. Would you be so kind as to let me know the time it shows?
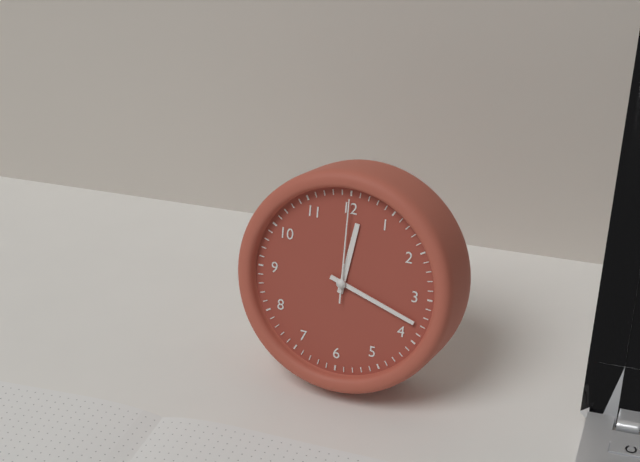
12:18:00
